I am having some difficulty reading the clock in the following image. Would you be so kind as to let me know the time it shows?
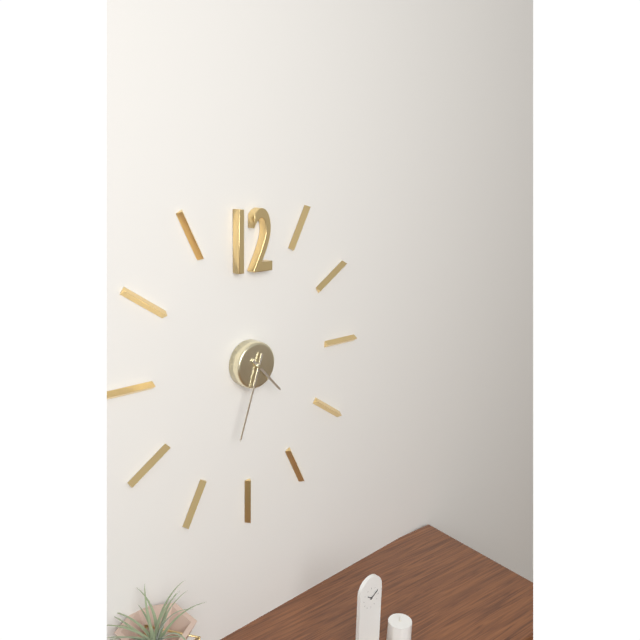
4:33
